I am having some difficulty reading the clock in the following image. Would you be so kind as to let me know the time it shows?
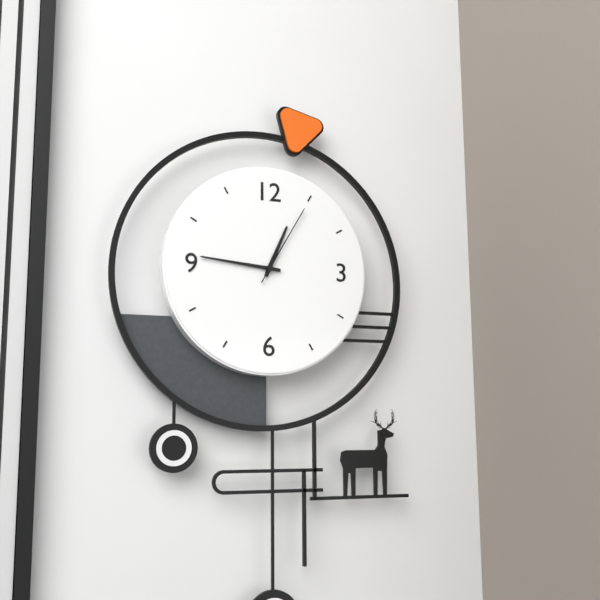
12:46:05
